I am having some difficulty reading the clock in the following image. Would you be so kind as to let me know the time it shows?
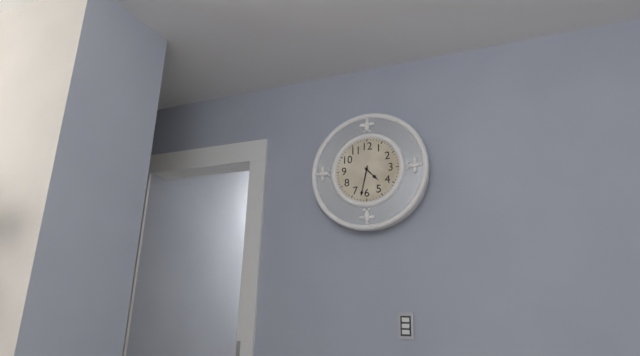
4:32
